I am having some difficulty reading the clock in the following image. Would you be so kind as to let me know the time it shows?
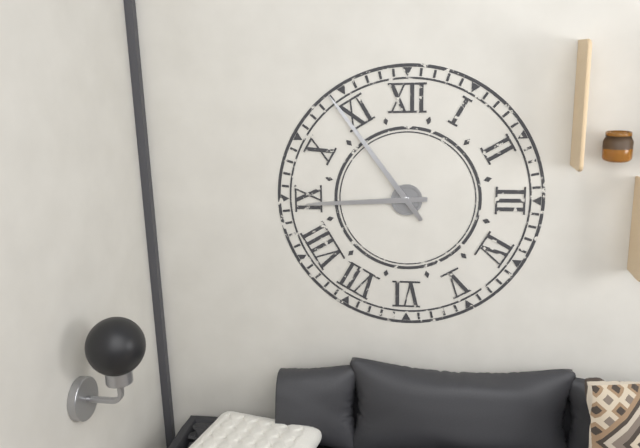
8:54
